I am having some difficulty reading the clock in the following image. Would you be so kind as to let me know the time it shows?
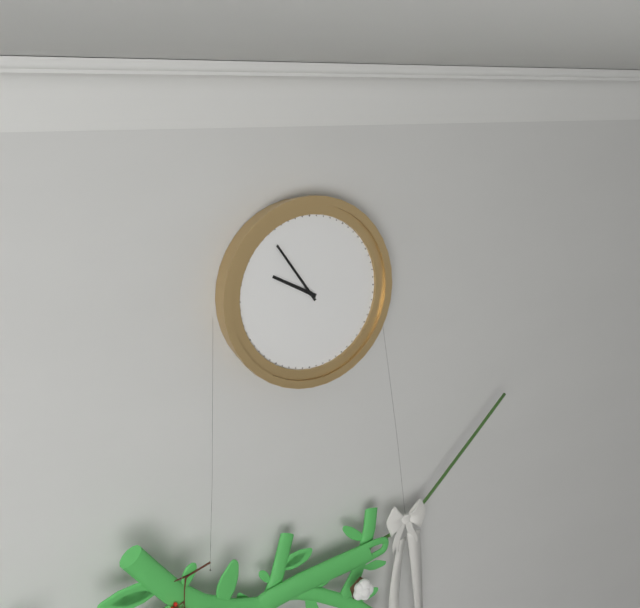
9:54
